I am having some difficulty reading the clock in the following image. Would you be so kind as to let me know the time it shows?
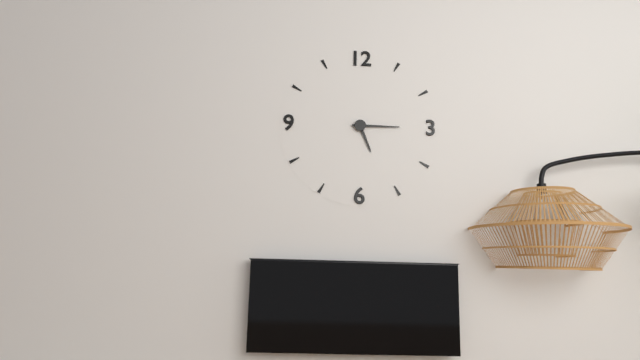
5:15
